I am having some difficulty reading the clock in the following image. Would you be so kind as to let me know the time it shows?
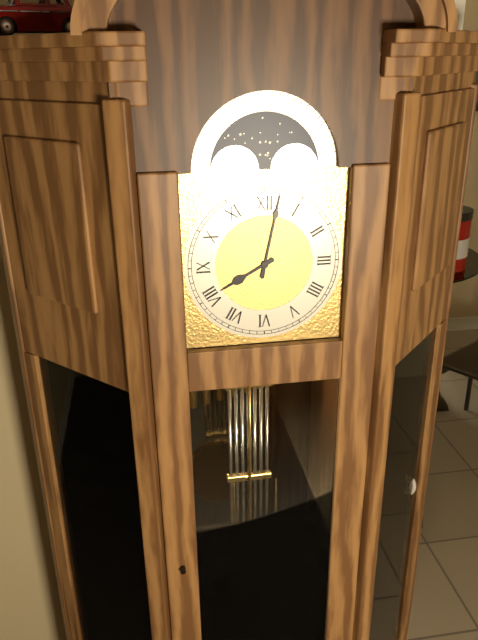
8:02
